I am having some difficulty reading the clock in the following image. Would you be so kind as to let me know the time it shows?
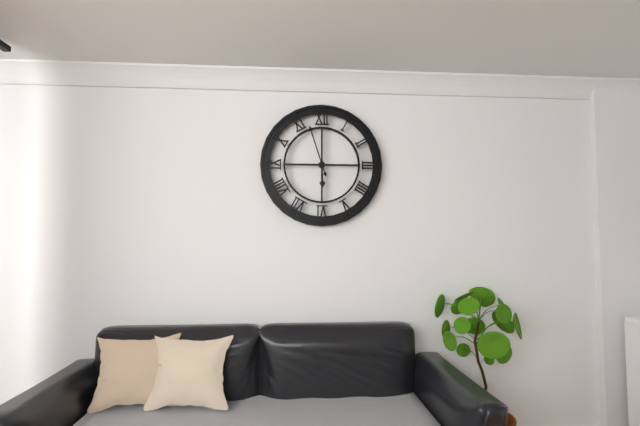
5:57
